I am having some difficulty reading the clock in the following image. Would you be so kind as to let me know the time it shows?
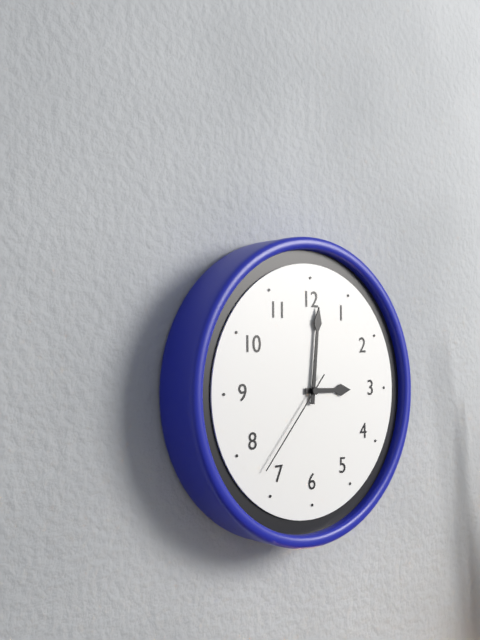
3:01:37
